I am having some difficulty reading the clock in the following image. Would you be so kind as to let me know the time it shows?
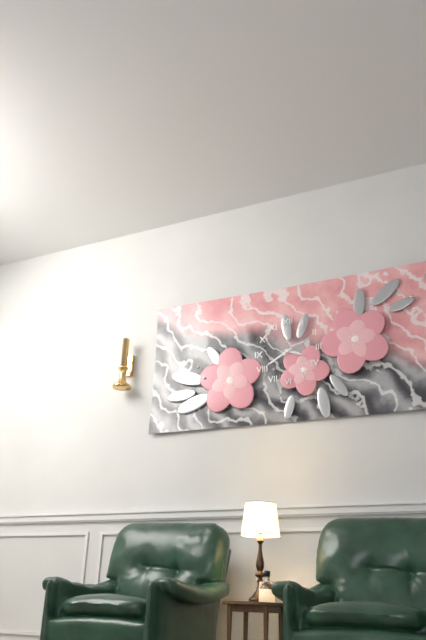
3:40
